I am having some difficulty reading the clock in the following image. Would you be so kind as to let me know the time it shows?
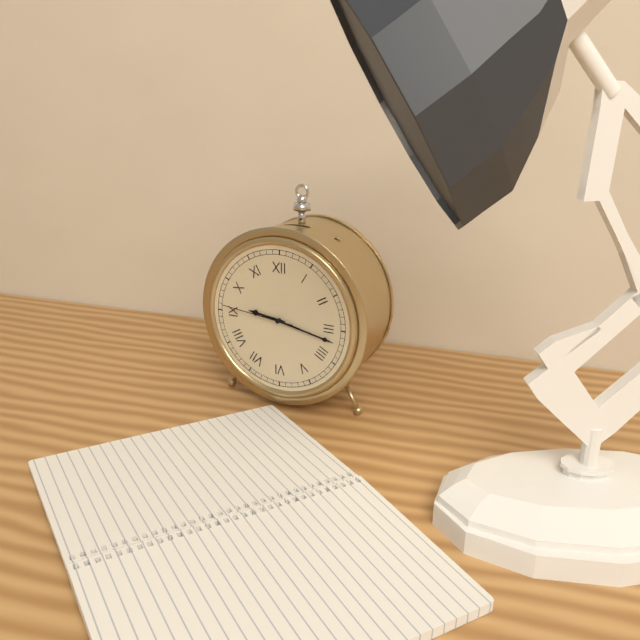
9:17:46
